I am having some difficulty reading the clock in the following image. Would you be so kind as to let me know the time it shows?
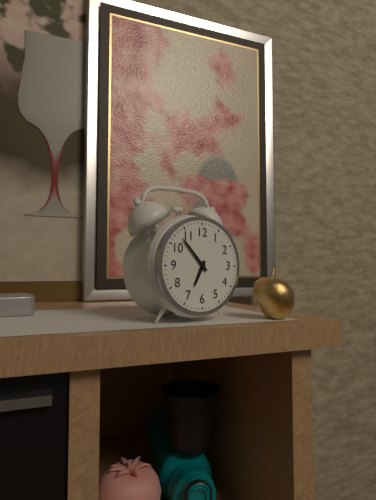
6:53
